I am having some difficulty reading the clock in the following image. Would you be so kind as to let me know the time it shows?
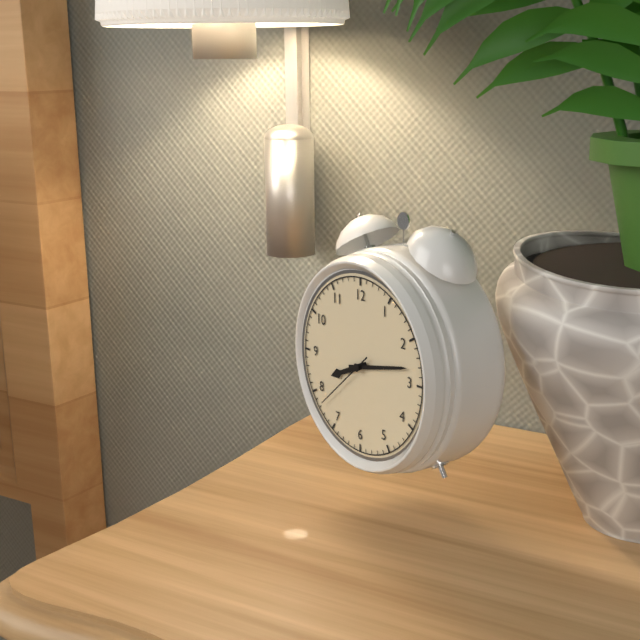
8:13:38
